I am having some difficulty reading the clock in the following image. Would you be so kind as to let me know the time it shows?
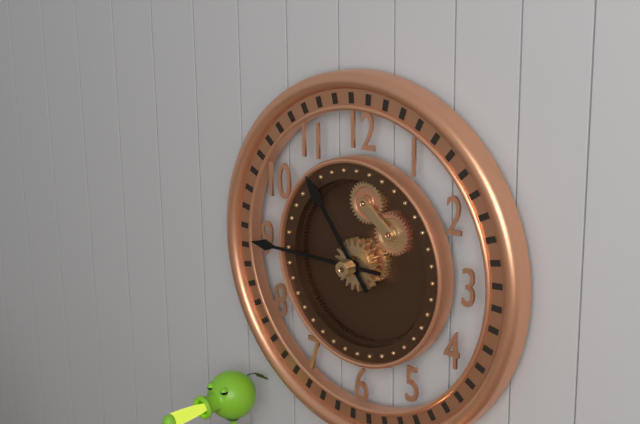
10:45
